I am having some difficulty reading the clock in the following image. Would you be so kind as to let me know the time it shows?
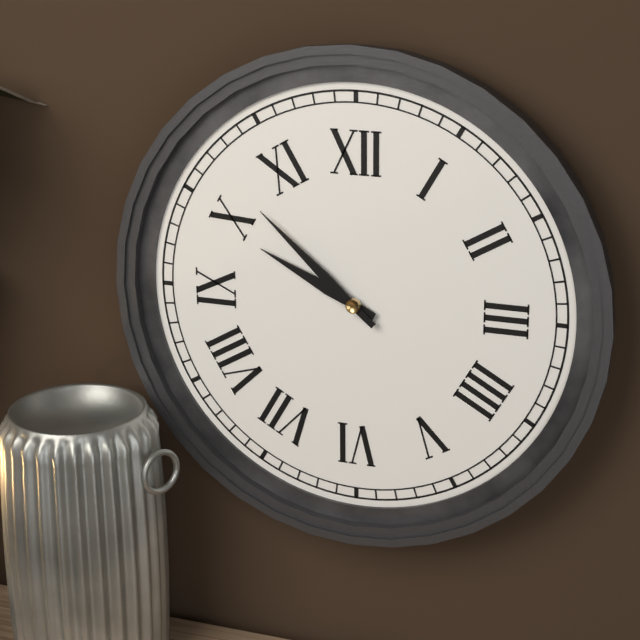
9:52
